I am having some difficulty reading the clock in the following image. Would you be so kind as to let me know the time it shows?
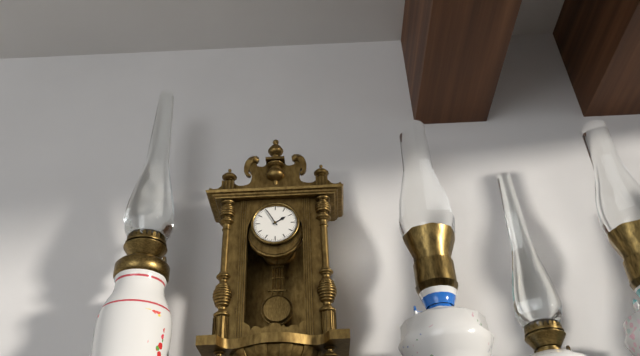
1:55
